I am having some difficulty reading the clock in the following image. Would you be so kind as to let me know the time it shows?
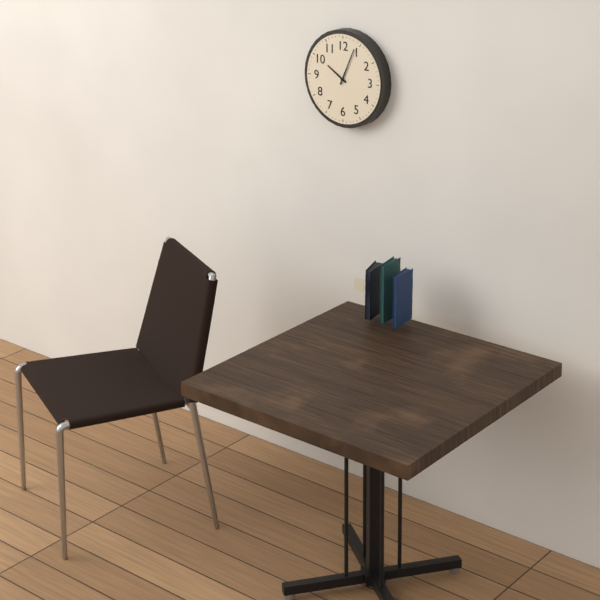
10:04
